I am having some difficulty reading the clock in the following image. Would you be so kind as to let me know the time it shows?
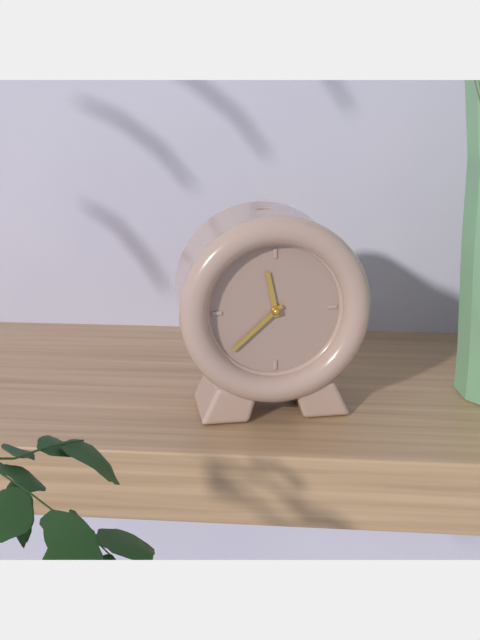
11:38
